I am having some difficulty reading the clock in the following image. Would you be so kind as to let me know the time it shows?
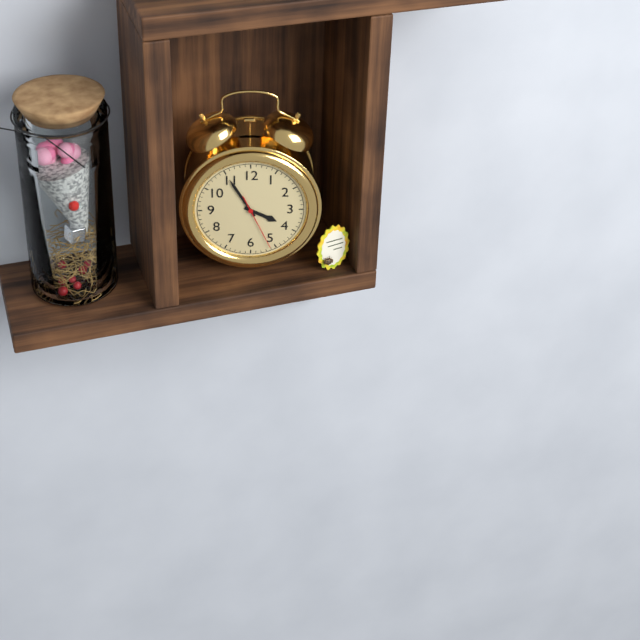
3:55:26
